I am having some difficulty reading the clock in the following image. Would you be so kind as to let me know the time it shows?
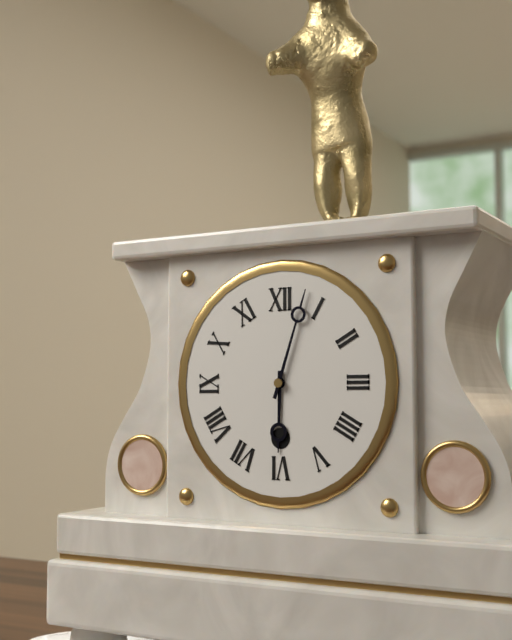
6:03
